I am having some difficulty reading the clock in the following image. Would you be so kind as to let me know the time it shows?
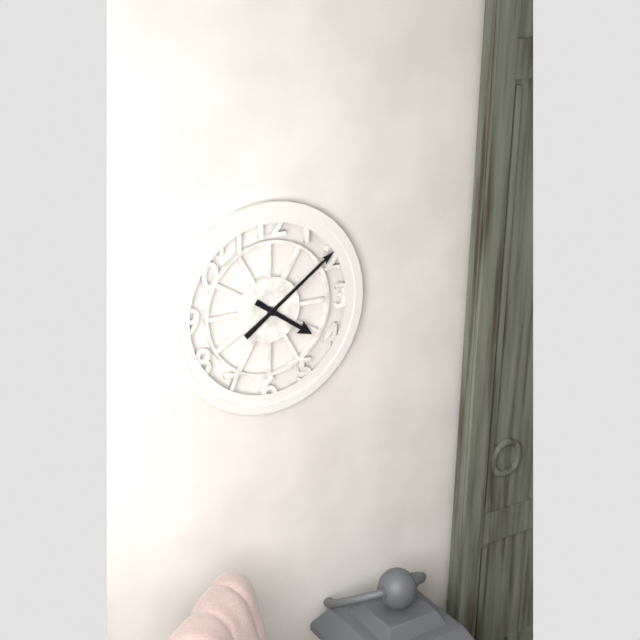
4:09
